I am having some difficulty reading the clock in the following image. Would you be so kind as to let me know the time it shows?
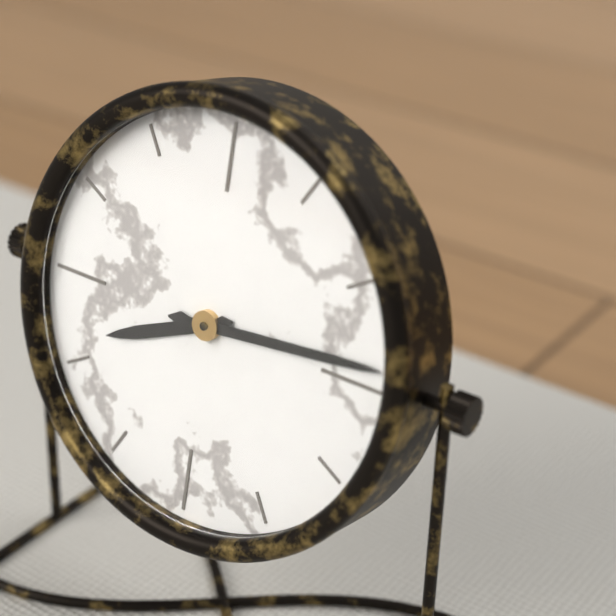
8:14
